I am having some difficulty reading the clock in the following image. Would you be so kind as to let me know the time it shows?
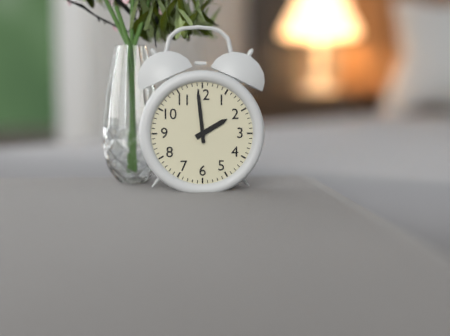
1:59
